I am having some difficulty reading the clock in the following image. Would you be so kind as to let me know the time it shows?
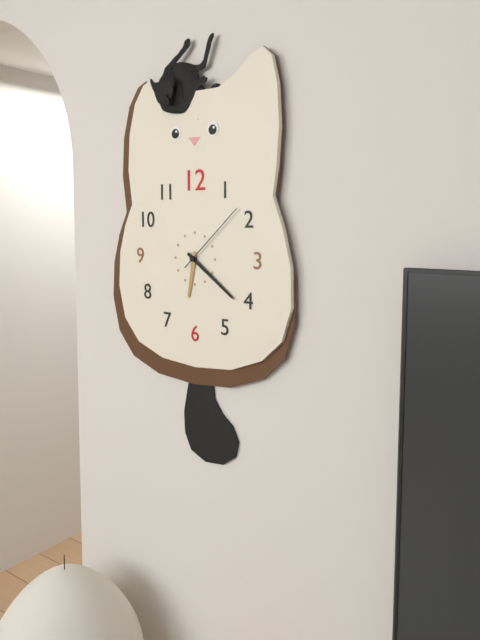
6:21:08
